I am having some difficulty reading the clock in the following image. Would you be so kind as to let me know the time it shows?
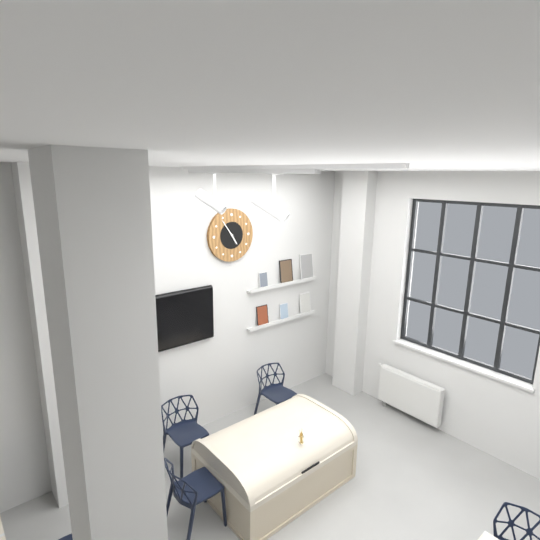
4:54
